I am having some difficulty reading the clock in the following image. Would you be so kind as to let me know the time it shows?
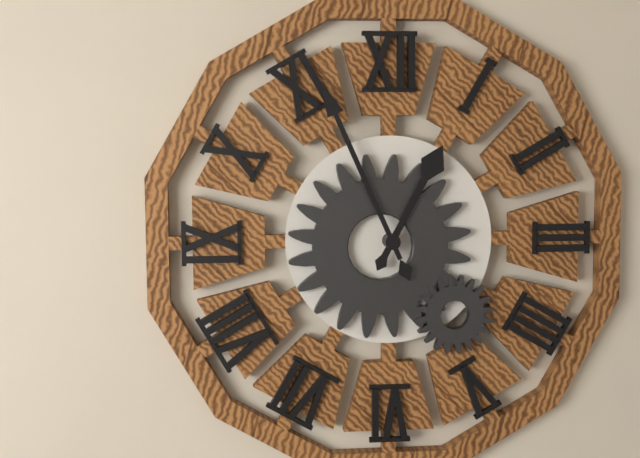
12:56
